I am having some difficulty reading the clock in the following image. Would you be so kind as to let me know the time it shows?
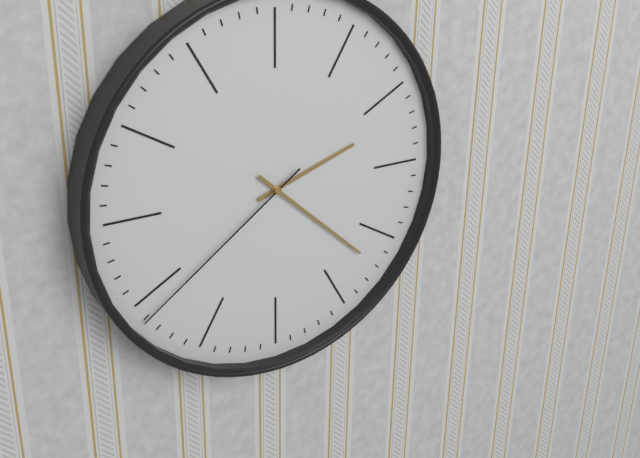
2:22:39
